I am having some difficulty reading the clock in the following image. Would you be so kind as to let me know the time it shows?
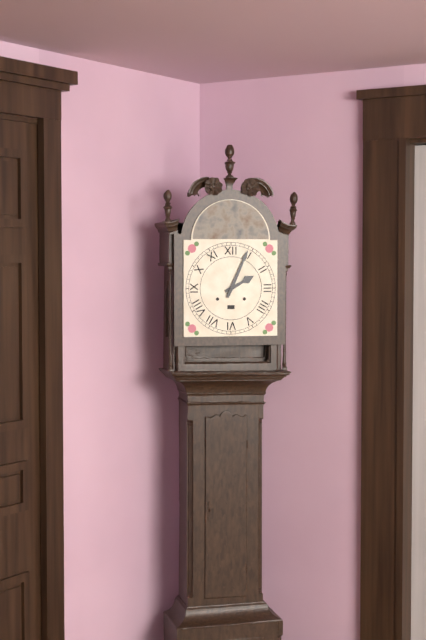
2:04
